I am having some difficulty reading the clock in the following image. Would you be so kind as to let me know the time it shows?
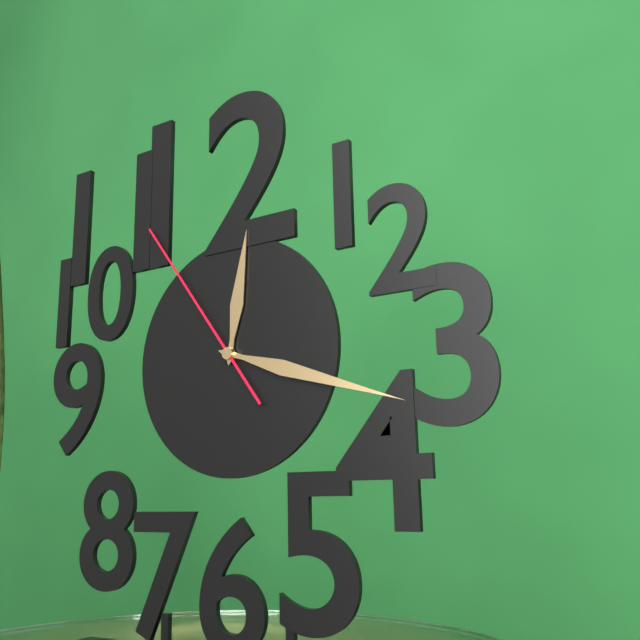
12:18:54
